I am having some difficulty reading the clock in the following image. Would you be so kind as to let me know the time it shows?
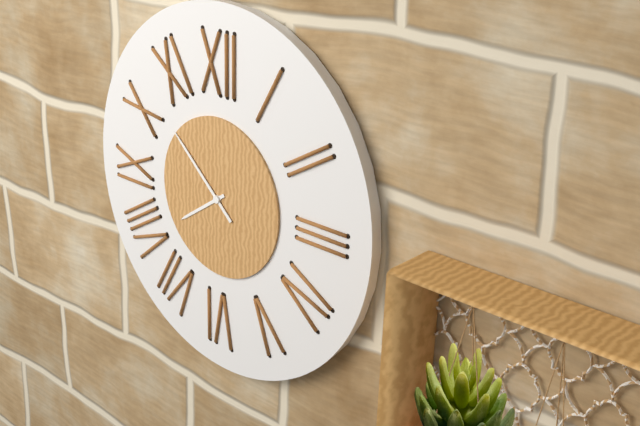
7:52
